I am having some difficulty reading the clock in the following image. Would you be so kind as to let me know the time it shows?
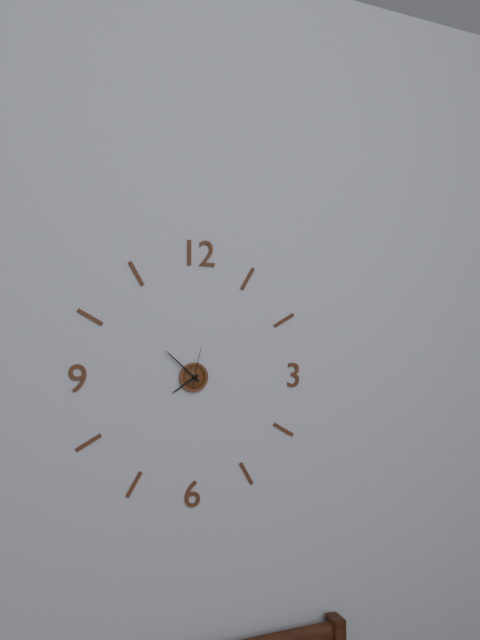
7:52
